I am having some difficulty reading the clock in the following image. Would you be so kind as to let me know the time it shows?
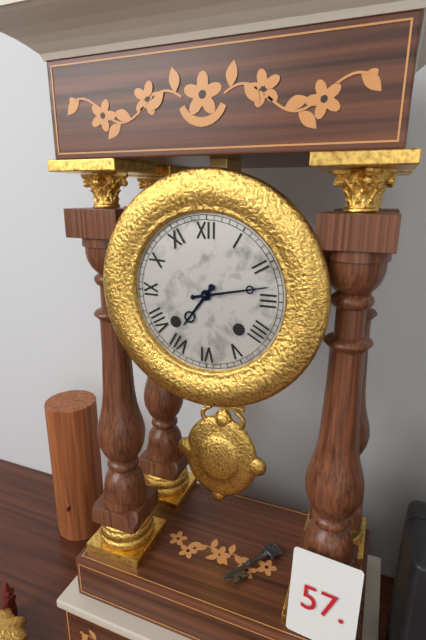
7:13
